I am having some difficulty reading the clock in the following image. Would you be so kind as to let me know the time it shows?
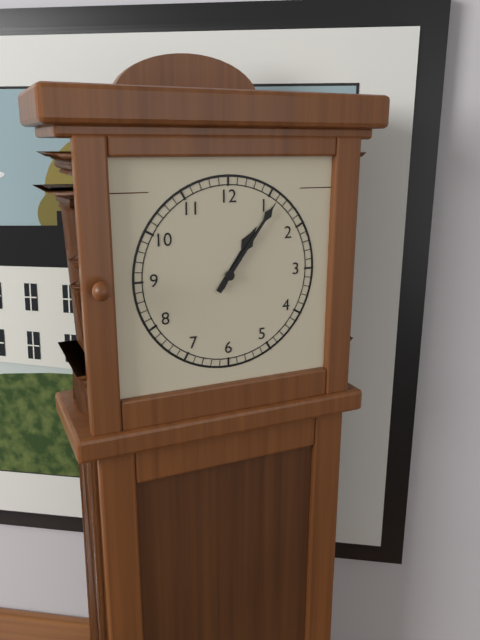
1:06
